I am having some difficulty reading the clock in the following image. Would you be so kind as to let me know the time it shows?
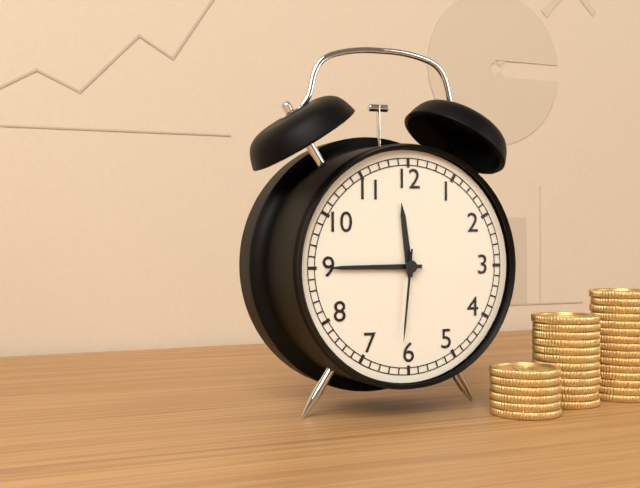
11:45:31
